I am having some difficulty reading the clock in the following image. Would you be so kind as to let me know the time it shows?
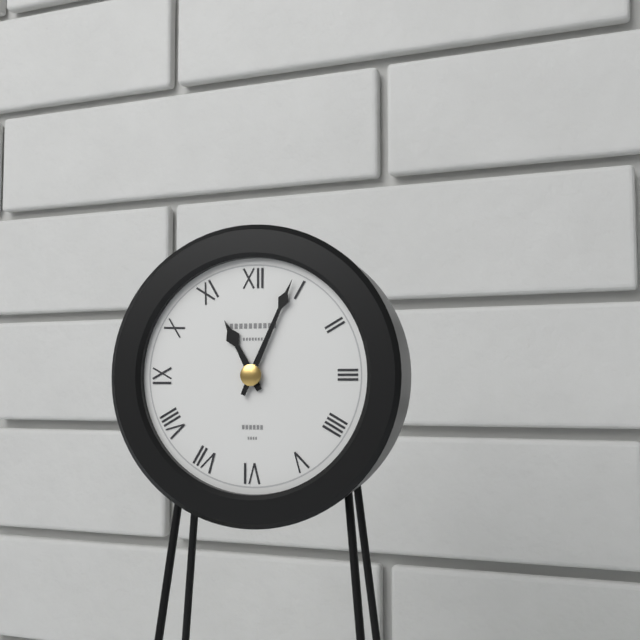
11:04
